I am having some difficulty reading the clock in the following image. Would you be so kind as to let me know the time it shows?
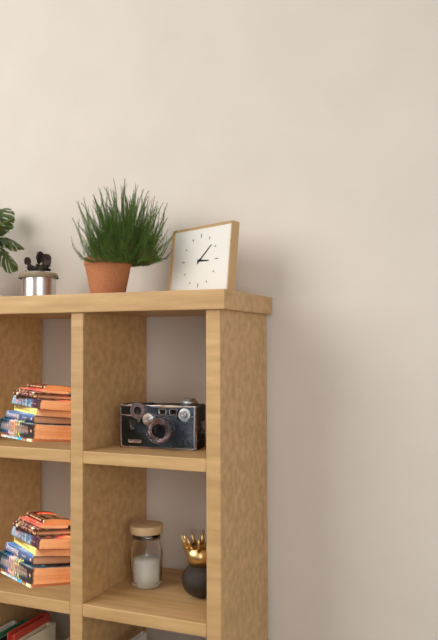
3:08
